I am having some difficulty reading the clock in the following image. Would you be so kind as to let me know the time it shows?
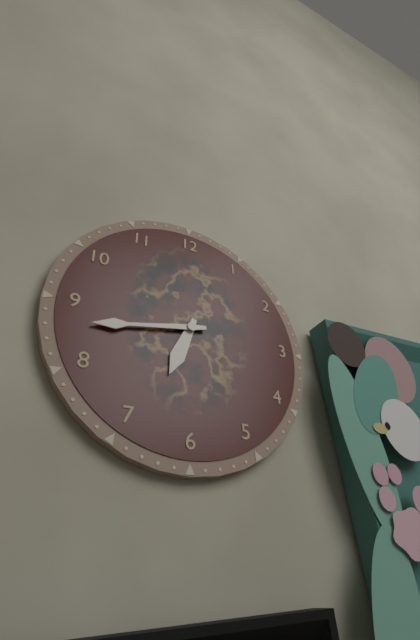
6:43
